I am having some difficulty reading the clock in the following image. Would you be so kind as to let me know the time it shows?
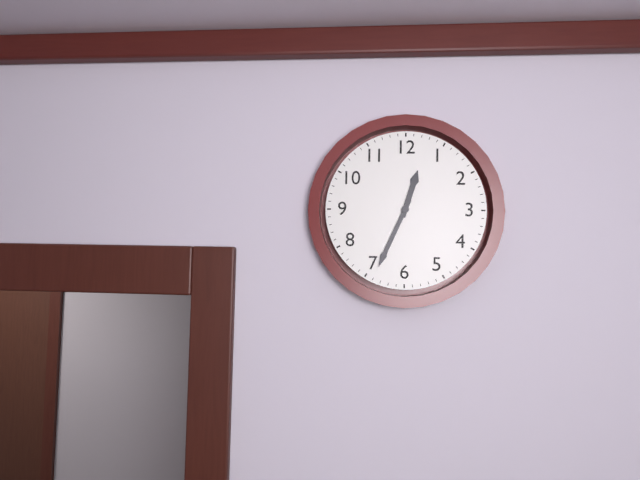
12:34
